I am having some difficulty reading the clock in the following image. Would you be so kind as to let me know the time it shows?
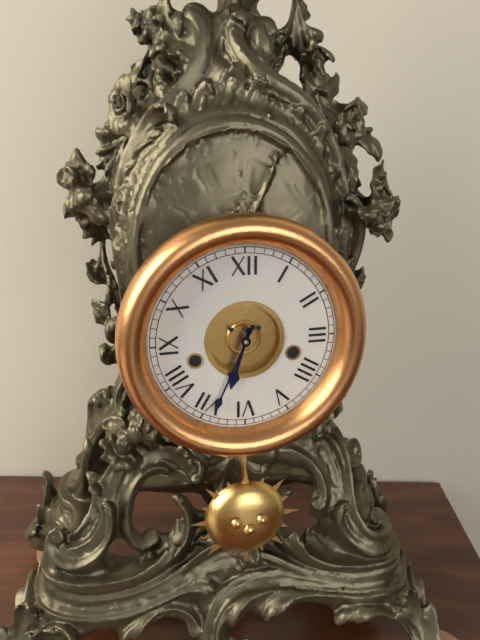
6:34
